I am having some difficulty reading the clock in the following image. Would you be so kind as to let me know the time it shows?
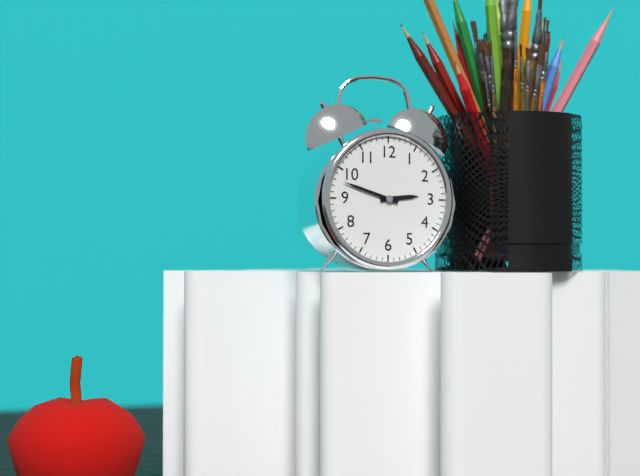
2:48
